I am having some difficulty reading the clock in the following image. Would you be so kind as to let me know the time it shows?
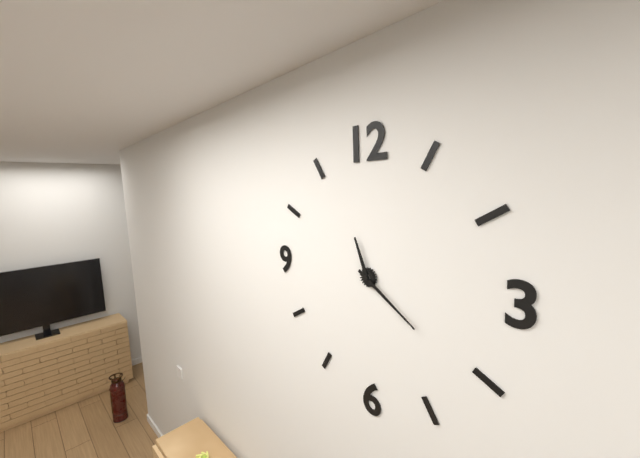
11:21
